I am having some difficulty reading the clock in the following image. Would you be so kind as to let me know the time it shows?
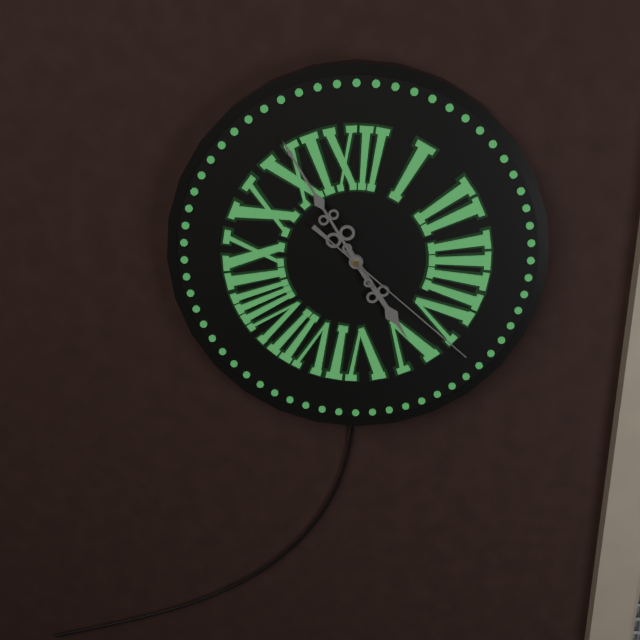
4:55:22
